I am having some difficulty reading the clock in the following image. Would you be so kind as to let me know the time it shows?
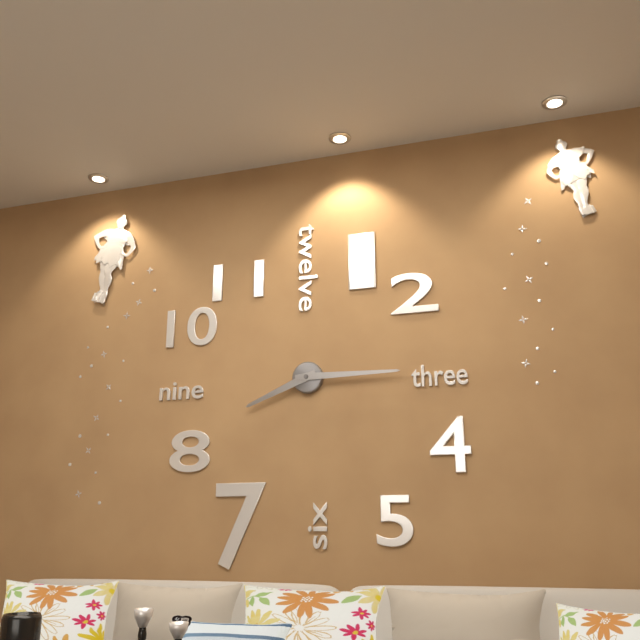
8:15
